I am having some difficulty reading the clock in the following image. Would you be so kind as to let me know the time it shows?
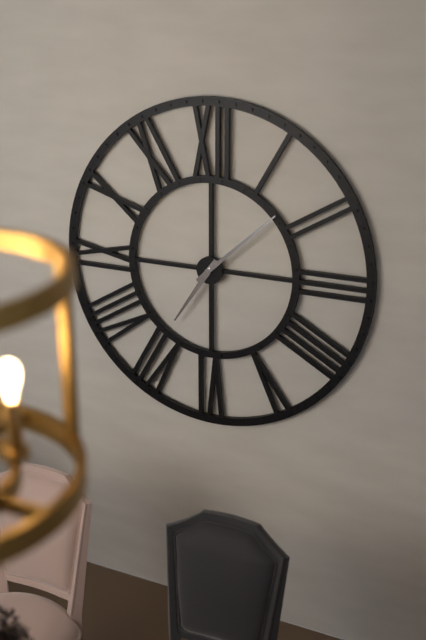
7:08
